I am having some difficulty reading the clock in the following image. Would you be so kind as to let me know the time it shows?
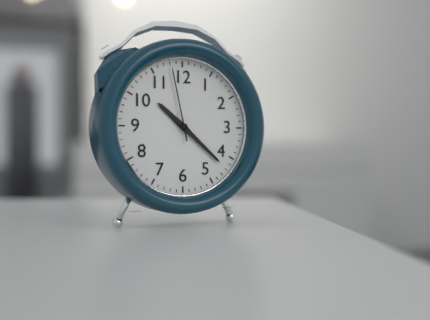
10:22:58
